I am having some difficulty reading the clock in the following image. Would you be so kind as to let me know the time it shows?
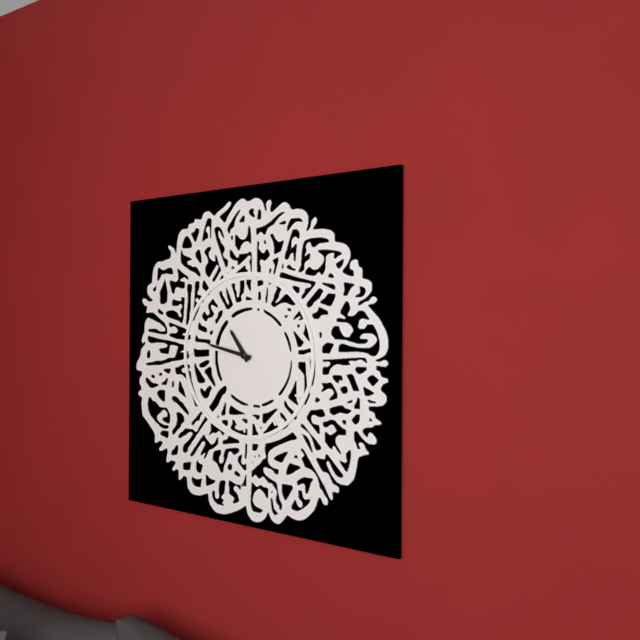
10:47
